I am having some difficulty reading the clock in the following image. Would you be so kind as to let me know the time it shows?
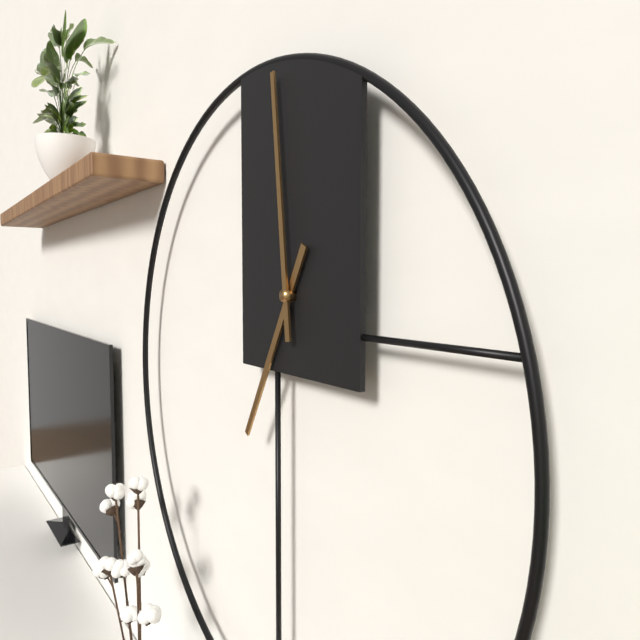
6:59
